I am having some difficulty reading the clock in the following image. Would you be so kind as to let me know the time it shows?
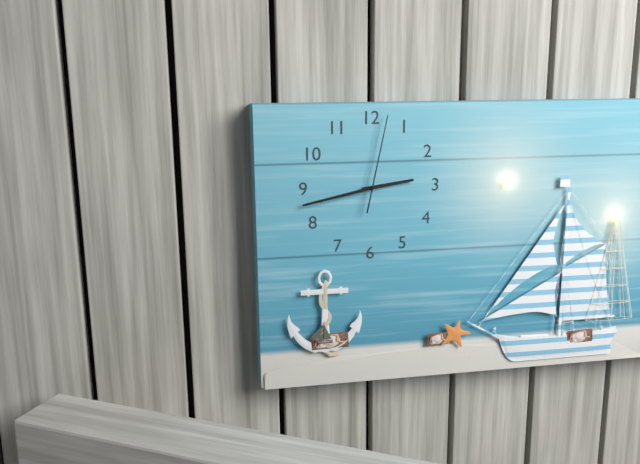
2:43:02
